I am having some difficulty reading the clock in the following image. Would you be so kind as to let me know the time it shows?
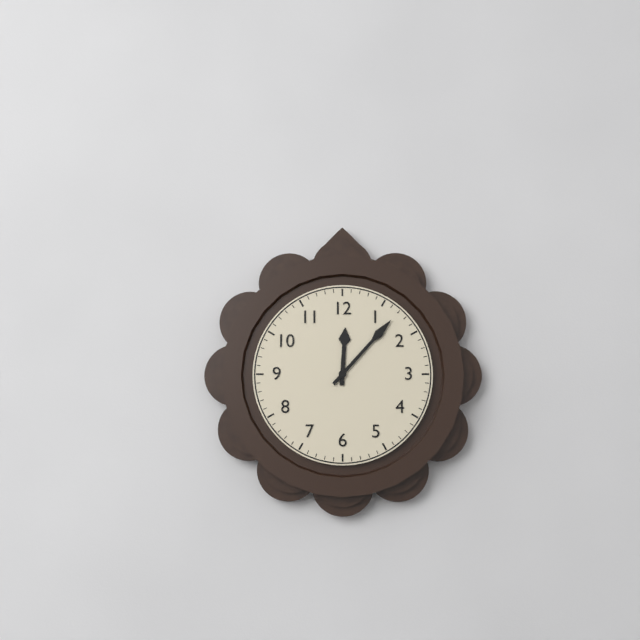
12:07
